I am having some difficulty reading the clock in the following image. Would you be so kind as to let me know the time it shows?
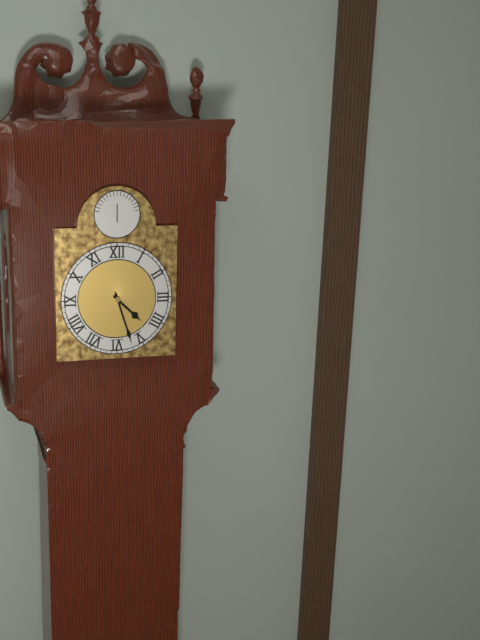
4:27
